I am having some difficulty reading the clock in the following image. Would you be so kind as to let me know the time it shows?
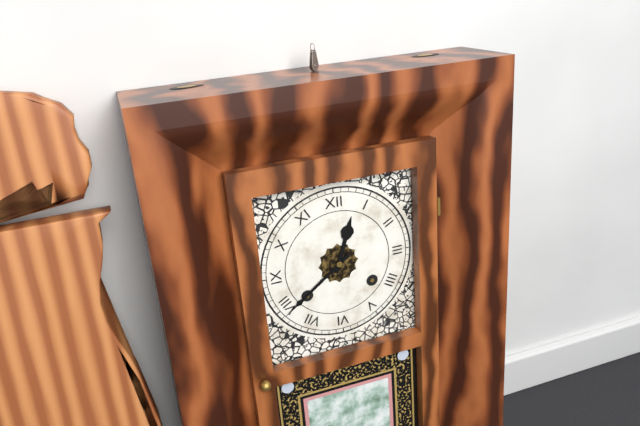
12:39
